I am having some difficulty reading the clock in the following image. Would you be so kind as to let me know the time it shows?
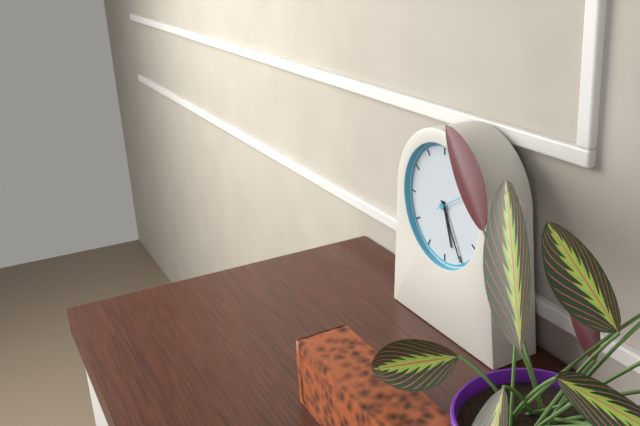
5:25
